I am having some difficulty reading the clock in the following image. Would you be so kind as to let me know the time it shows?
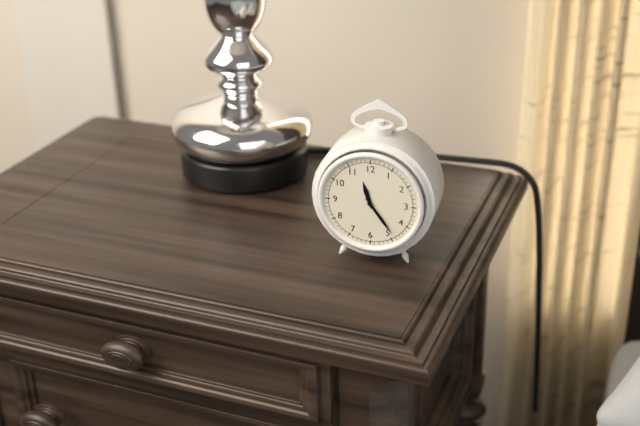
11:24
